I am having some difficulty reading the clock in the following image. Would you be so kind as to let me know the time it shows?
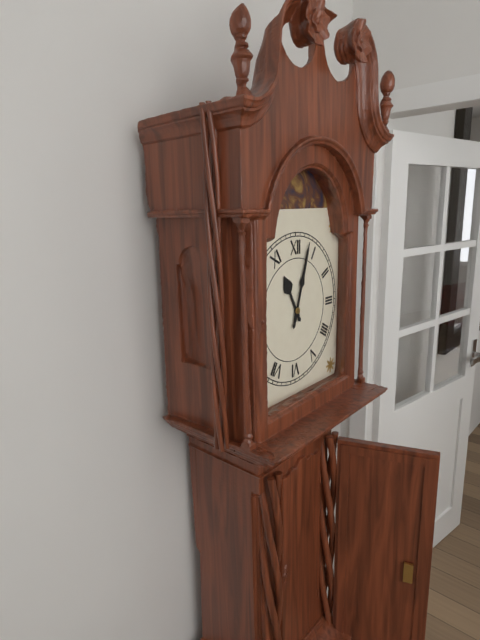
11:03
